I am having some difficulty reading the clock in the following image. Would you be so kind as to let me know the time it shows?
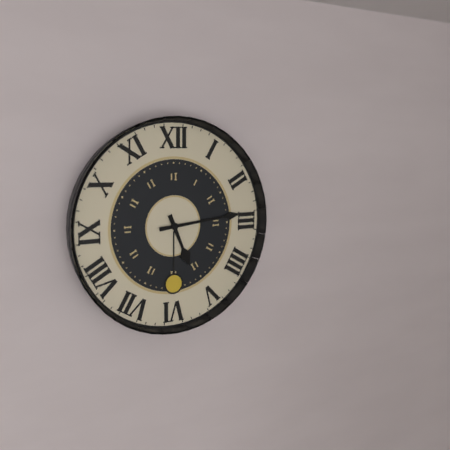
5:14
